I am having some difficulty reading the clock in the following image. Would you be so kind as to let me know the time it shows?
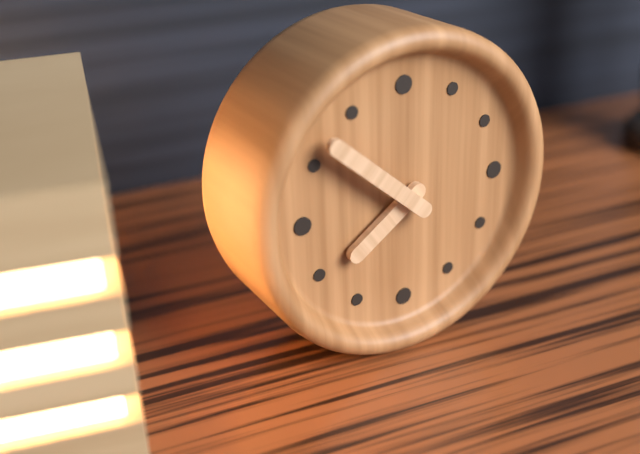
7:52
